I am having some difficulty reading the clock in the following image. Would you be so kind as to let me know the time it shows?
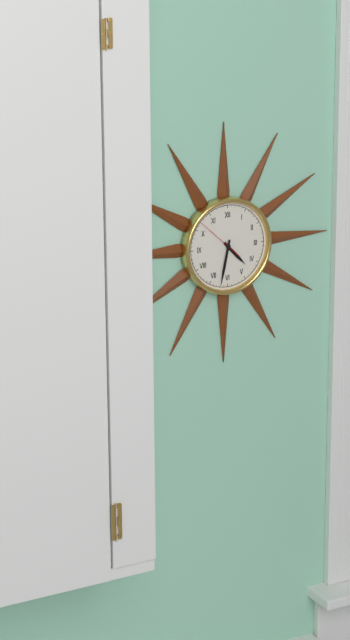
4:32
